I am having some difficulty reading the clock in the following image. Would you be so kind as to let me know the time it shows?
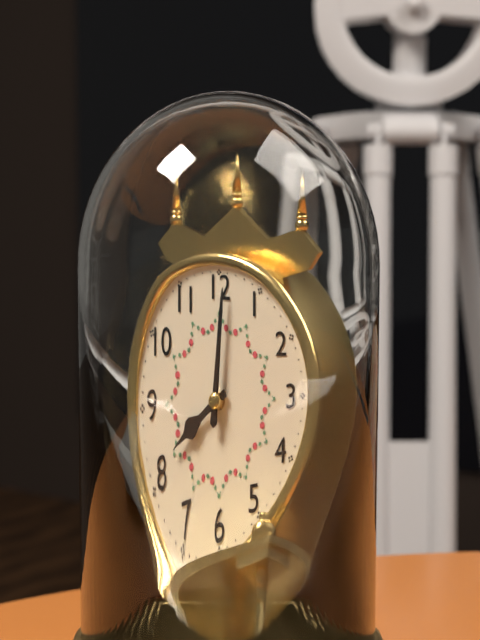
8:01
